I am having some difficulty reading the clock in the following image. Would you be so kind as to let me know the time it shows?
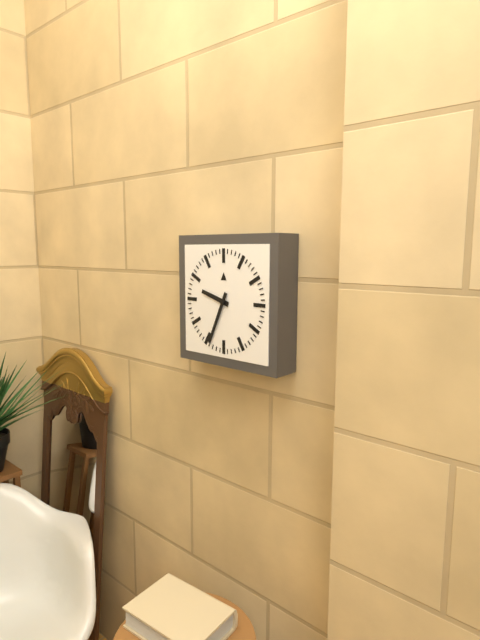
9:34
